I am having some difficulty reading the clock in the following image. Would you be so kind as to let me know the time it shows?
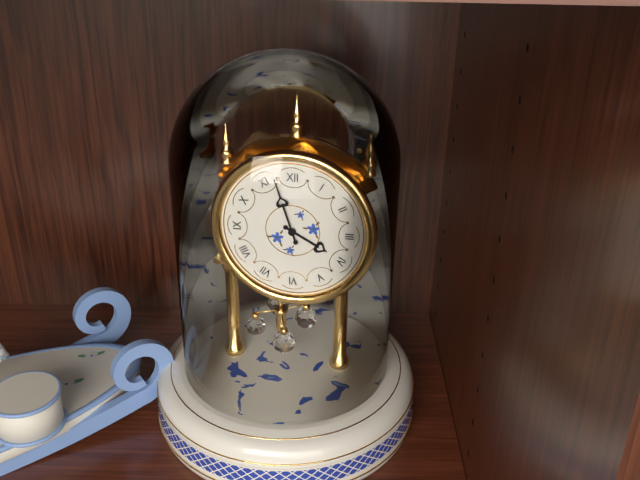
3:57
